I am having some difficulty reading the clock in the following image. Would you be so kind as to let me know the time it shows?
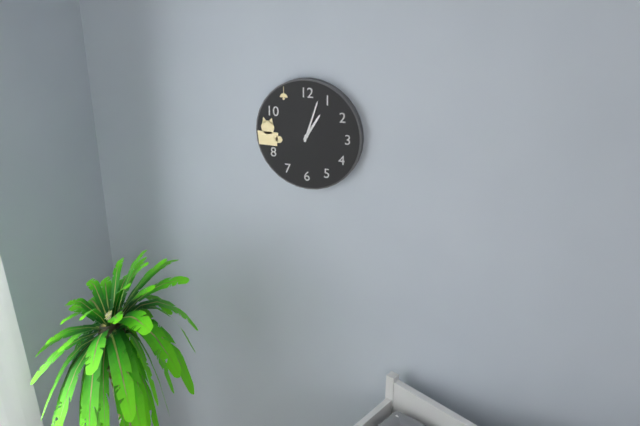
1:03
